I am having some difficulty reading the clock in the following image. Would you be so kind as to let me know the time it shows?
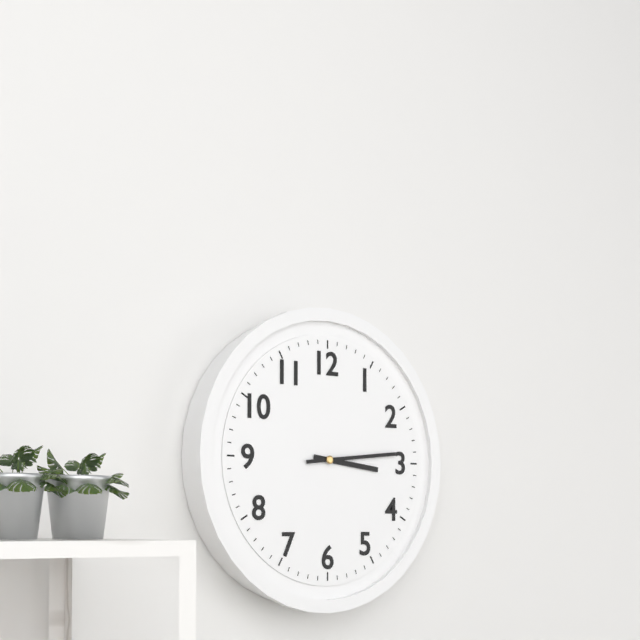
3:14
